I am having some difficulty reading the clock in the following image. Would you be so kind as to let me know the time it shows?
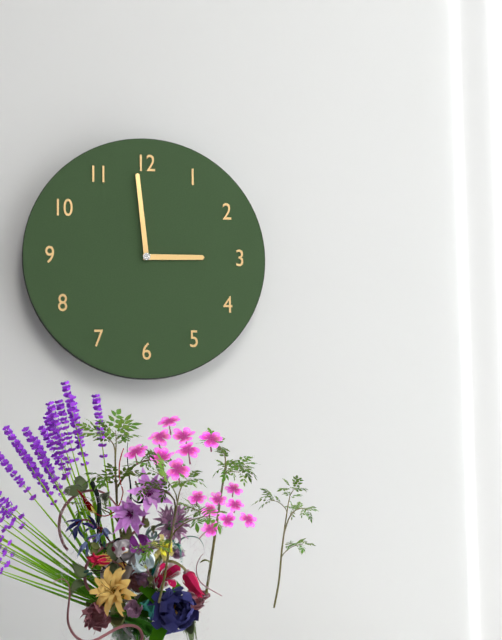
2:59
